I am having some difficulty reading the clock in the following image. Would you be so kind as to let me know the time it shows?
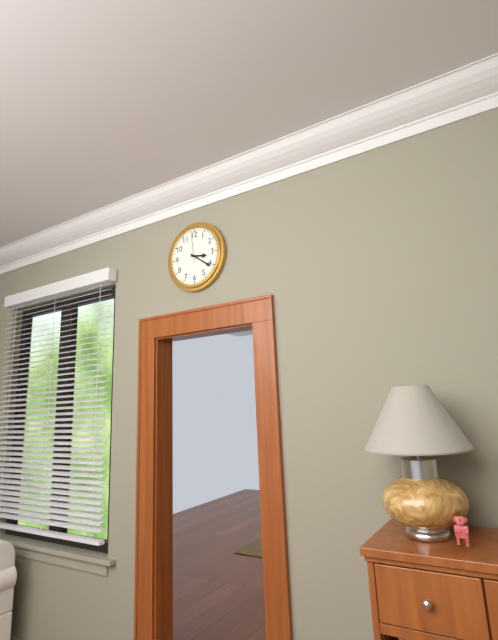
3:21
